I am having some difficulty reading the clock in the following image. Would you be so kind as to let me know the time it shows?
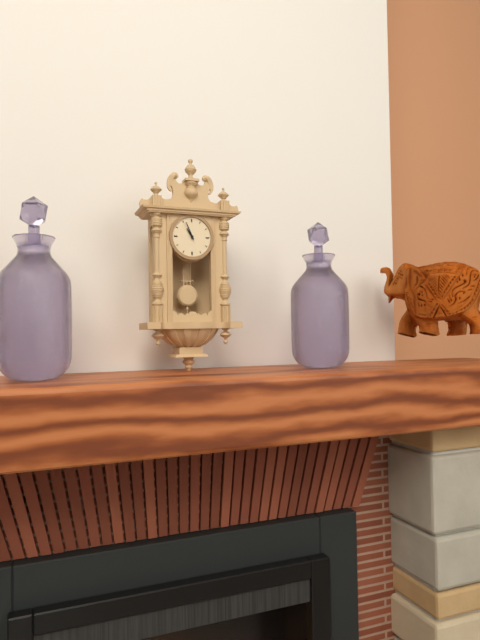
10:56
